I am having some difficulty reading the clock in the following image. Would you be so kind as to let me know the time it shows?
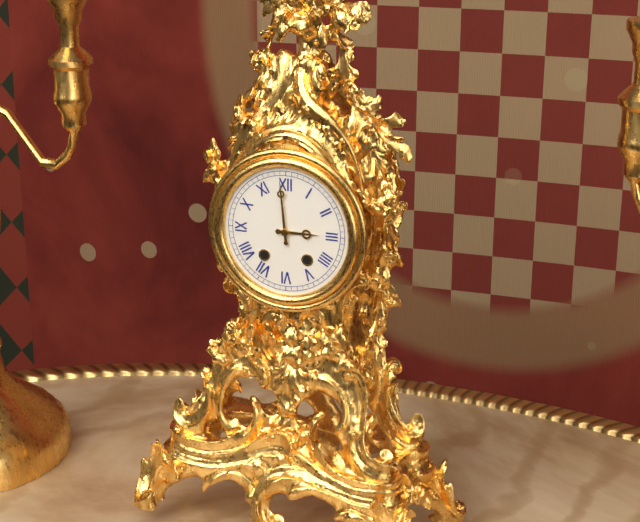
2:59
